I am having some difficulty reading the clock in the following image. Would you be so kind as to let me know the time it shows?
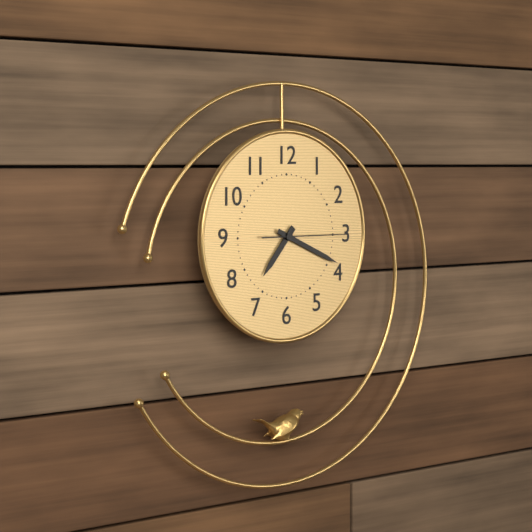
7:19:15
